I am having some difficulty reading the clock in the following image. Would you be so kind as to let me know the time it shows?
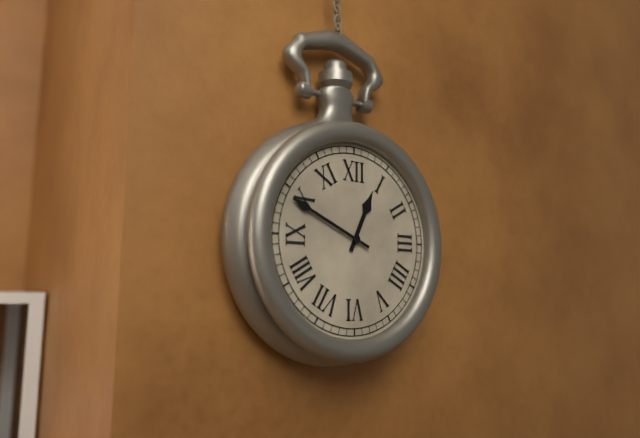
12:49
